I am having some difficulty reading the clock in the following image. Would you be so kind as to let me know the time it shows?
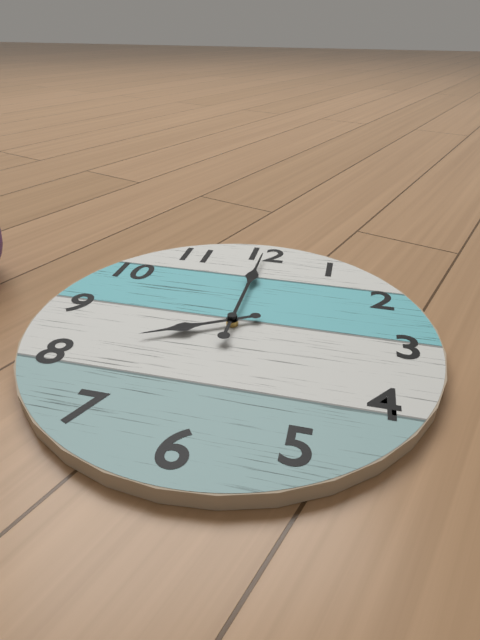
8:00
